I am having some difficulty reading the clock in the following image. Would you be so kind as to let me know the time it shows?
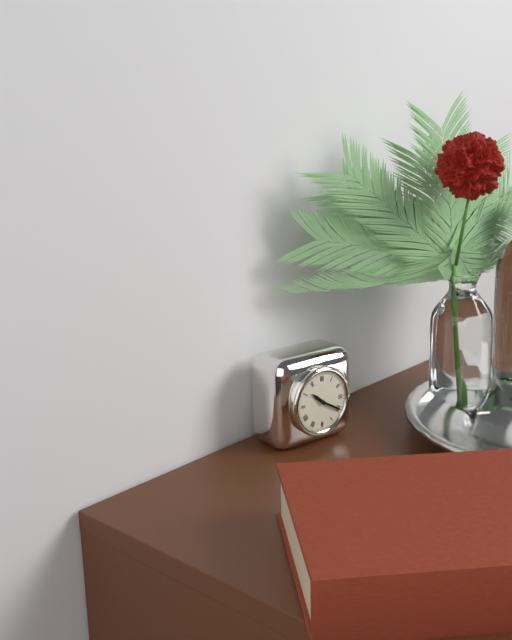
10:20
